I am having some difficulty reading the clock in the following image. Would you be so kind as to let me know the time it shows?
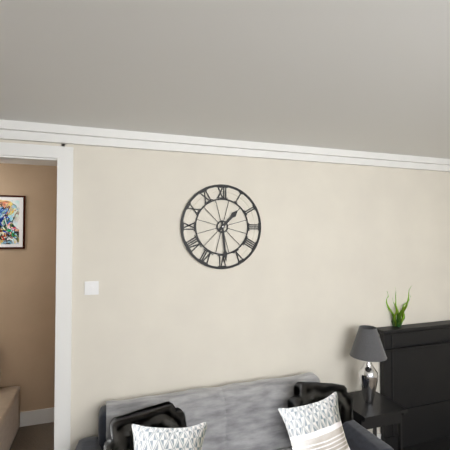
1:29
